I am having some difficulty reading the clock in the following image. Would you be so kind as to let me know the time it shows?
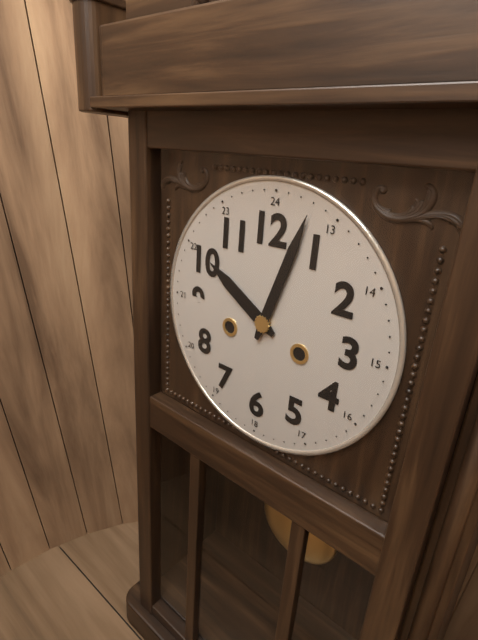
10:03
